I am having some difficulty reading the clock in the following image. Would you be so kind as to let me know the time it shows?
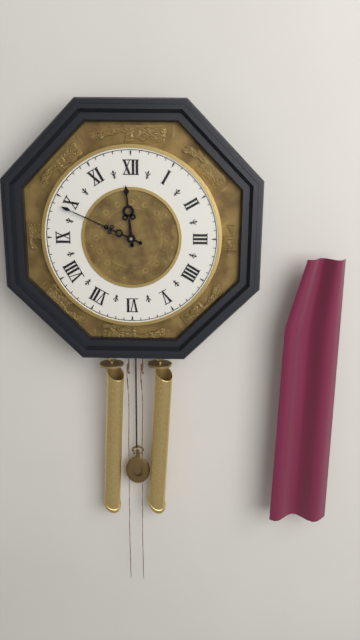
11:49
